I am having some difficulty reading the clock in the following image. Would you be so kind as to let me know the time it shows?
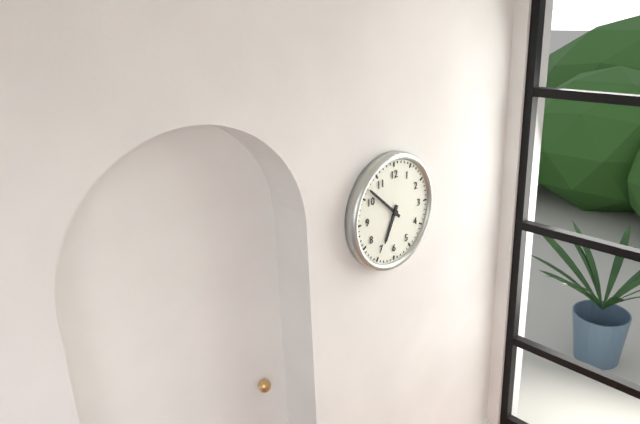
6:52
